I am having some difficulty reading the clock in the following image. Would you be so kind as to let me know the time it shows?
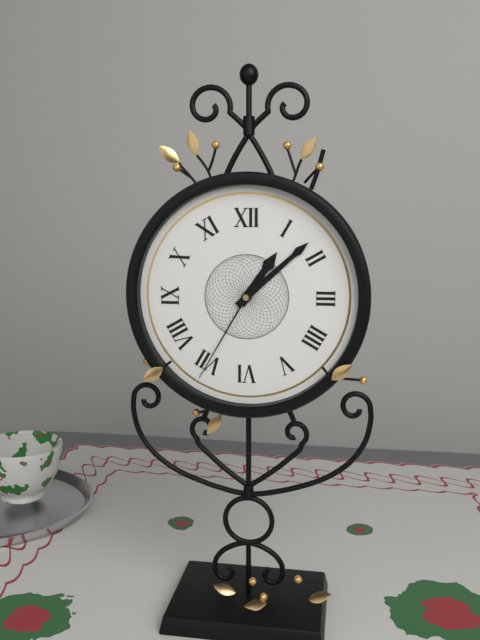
1:08:35
